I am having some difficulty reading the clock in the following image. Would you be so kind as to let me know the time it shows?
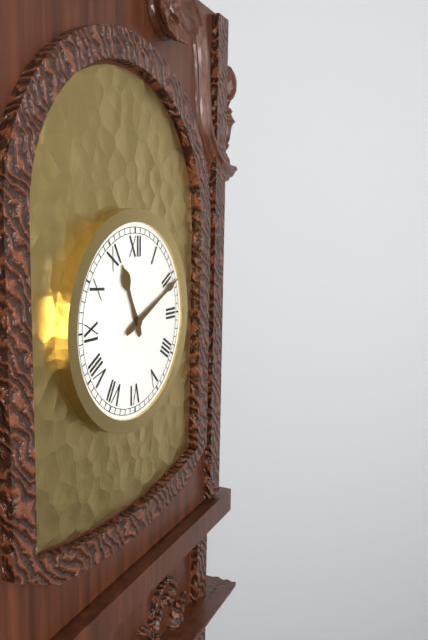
11:11
